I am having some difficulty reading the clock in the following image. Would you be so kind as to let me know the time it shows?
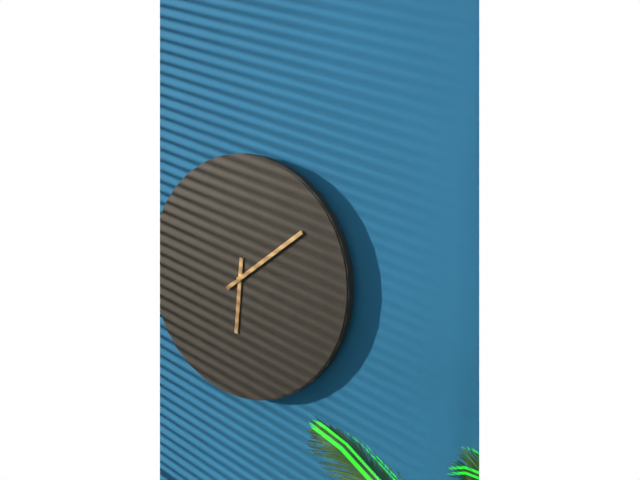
6:09
